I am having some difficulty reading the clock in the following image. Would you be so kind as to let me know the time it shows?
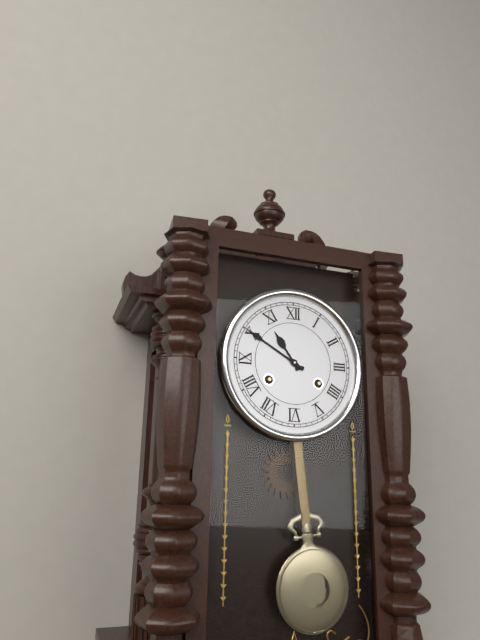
10:50
